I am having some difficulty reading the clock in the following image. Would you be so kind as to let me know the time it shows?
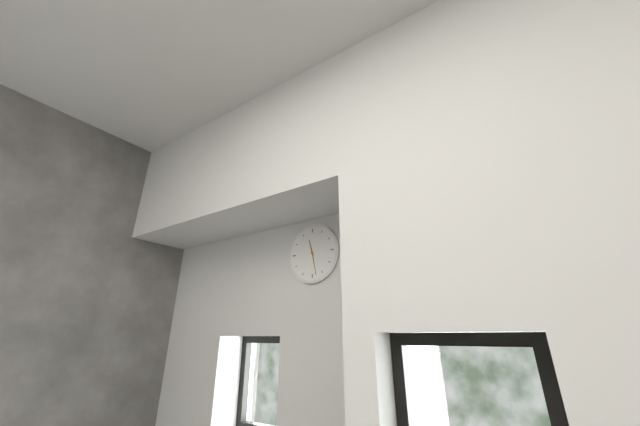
11:28
